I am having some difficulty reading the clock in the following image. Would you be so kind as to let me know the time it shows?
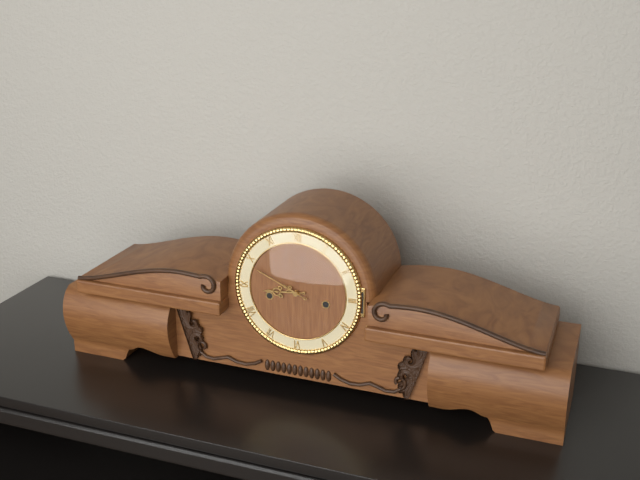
8:49
